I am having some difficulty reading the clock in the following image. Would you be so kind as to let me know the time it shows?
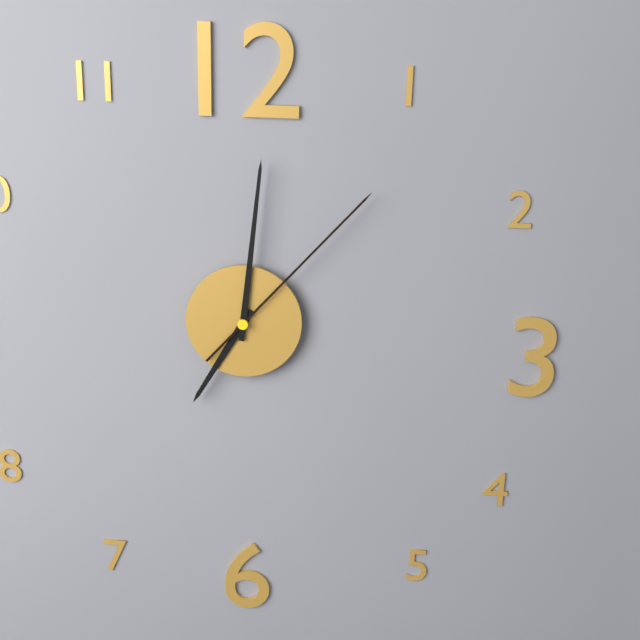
7:01:07
